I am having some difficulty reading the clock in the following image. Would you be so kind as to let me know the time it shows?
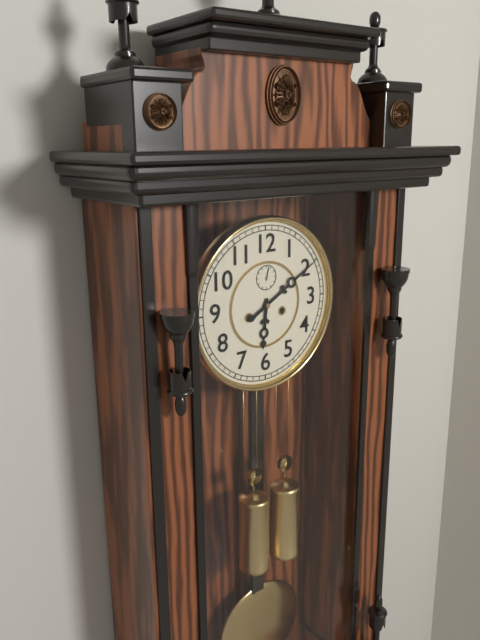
6:10
